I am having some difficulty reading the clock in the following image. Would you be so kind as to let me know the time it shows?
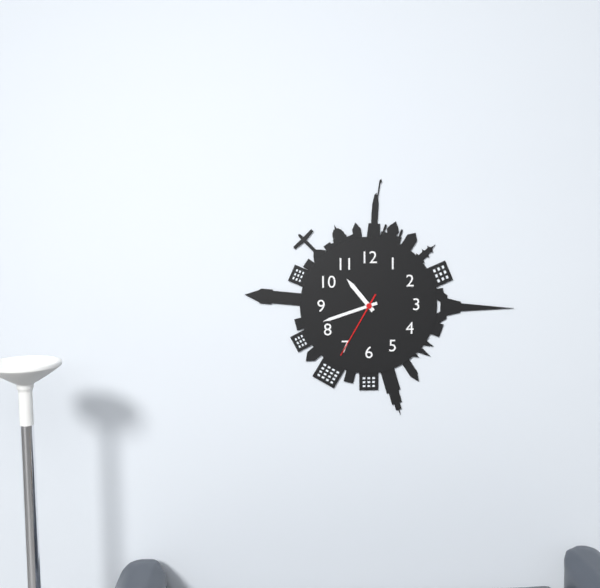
10:42:35
